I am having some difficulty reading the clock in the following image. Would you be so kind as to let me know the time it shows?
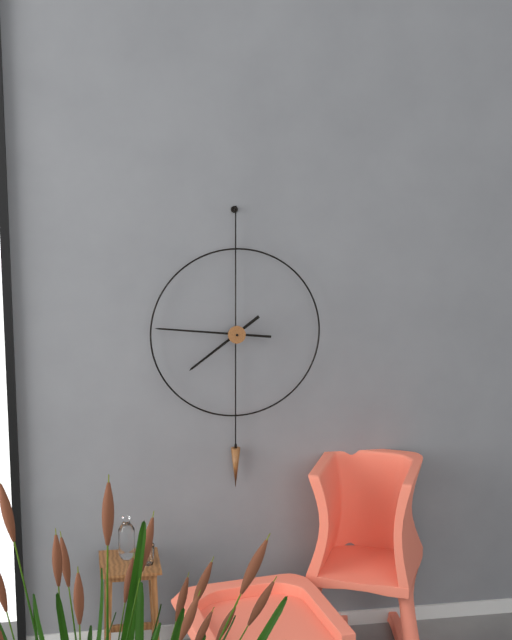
7:46
